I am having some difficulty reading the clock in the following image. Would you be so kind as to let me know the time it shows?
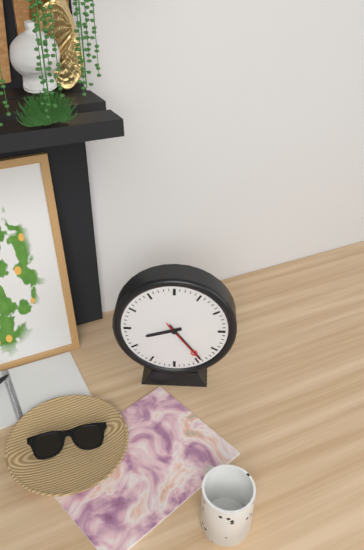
8:24:24
